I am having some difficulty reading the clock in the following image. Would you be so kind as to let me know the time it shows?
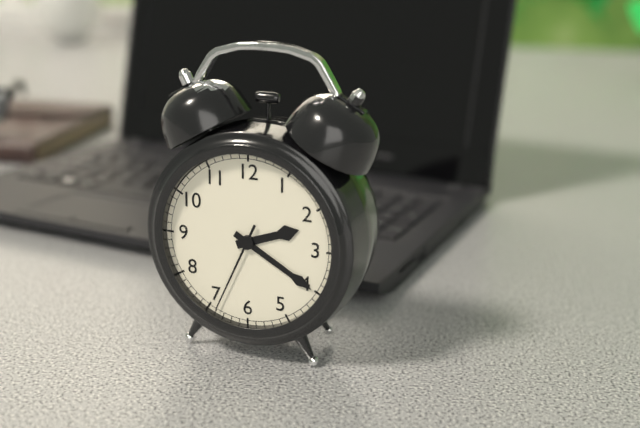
2:20:34
